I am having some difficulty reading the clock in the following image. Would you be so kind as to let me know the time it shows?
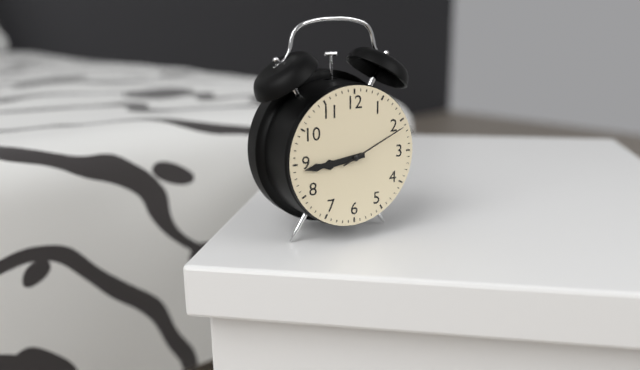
8:44:11
